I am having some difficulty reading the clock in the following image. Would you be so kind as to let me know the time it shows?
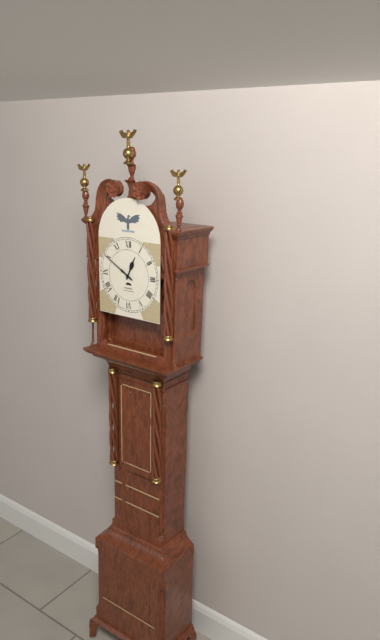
12:50
